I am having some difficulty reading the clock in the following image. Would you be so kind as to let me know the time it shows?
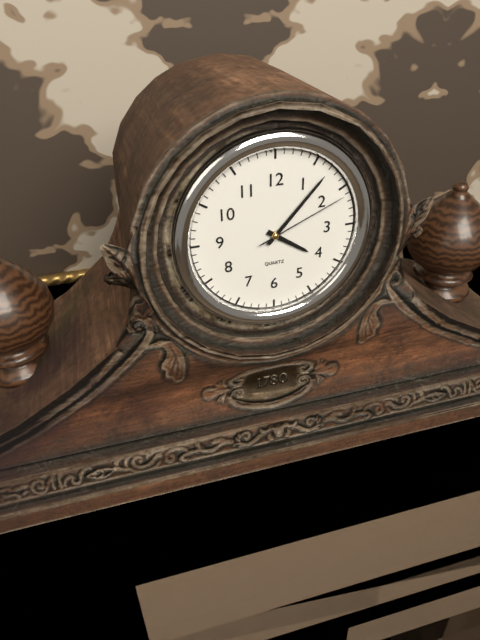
4:07:11
